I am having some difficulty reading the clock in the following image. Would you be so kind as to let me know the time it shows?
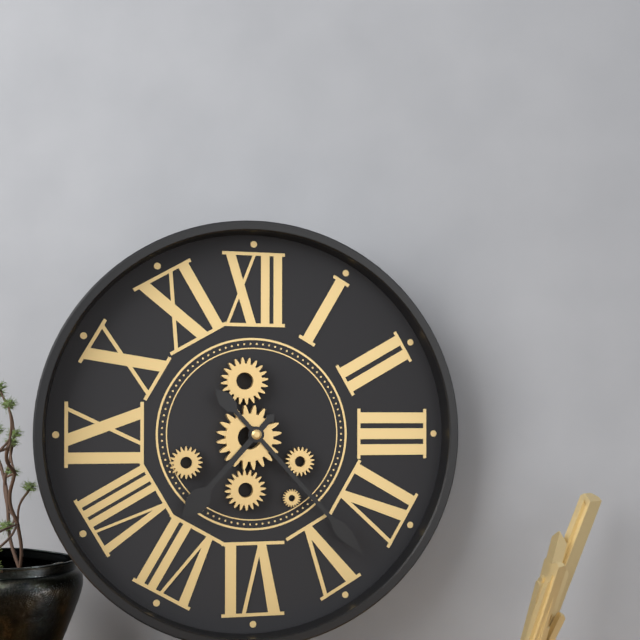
7:23
